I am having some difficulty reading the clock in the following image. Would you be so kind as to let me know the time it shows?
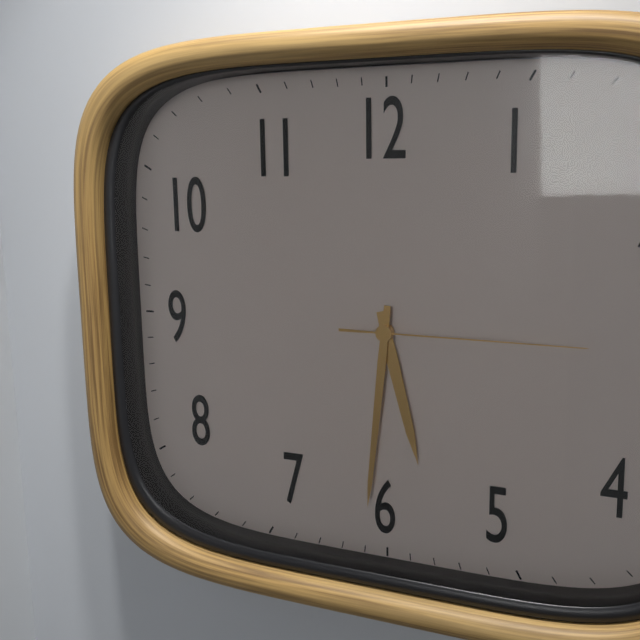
5:31:15
